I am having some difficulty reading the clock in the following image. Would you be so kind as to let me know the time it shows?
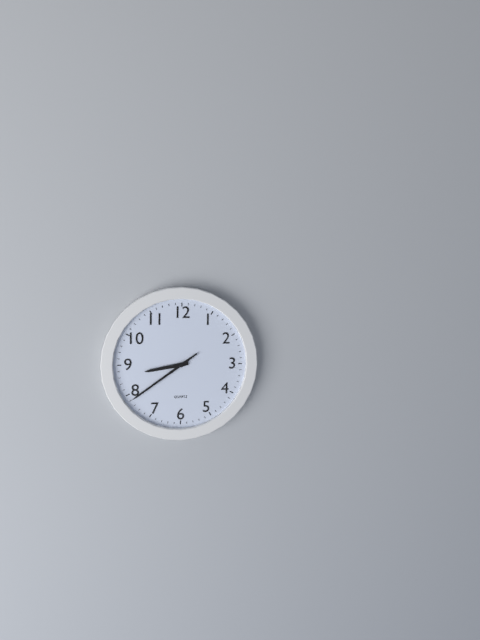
8:39
